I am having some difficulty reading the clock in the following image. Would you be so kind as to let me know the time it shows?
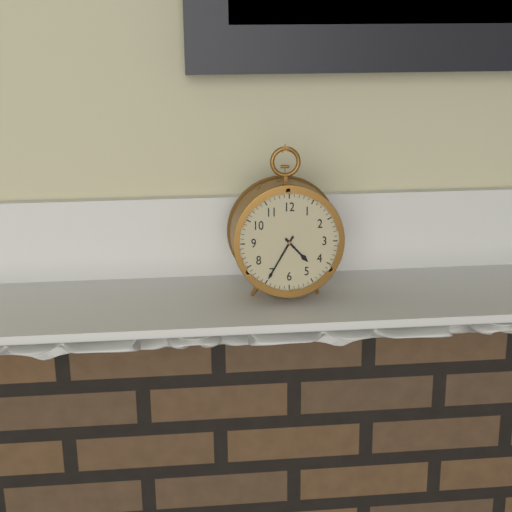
4:35
